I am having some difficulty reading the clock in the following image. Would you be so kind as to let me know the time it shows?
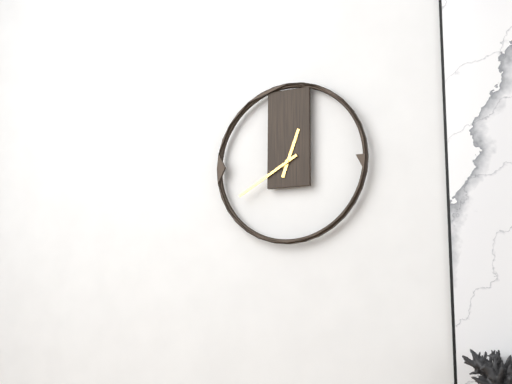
12:40
